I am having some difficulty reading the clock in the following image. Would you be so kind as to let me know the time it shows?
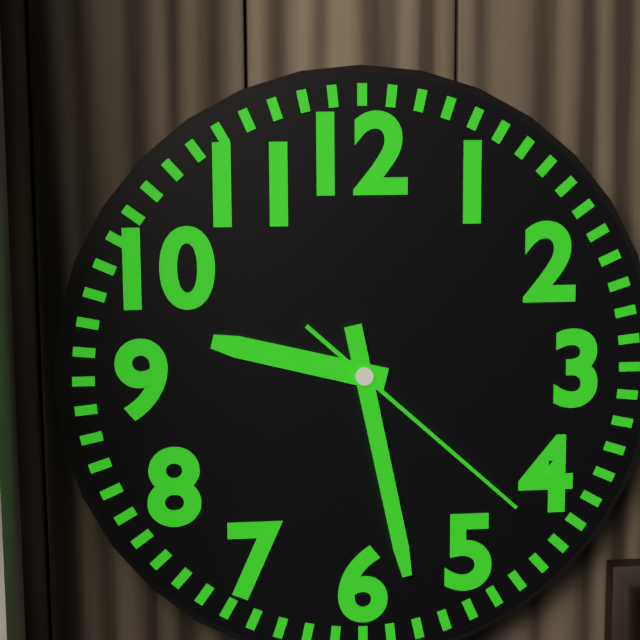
9:28:22
